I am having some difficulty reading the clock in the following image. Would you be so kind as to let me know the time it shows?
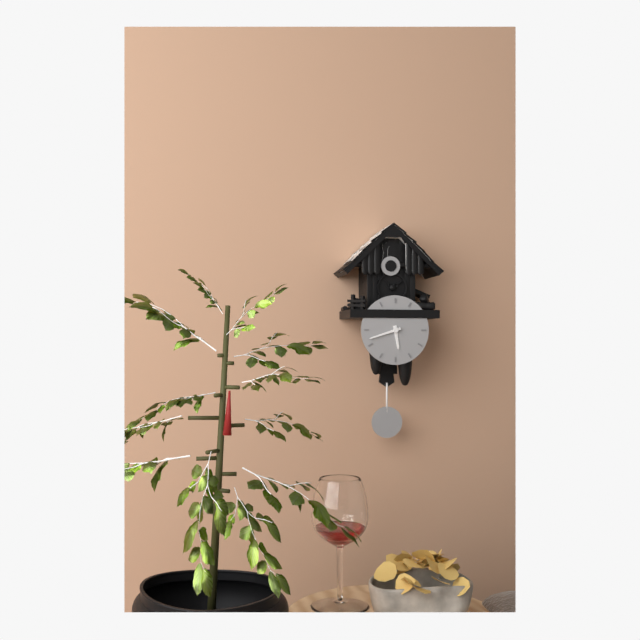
5:42
